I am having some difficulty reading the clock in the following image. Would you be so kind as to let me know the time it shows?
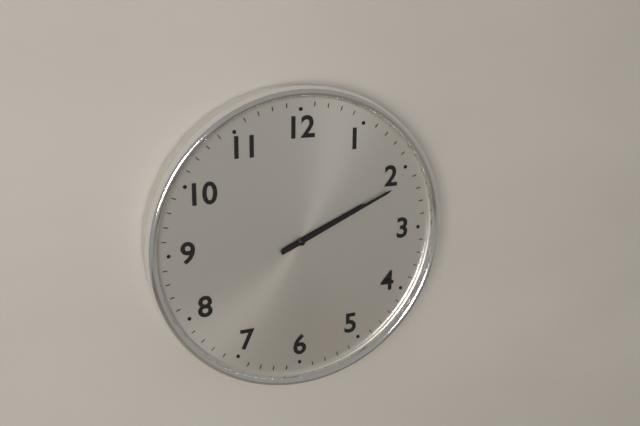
2:11
